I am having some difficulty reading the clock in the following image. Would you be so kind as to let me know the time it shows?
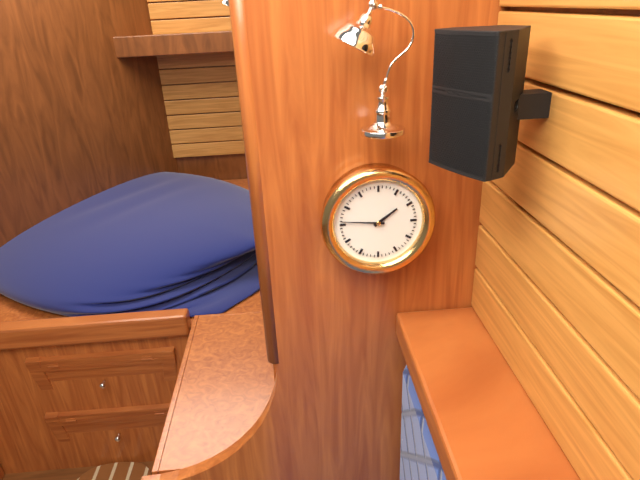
1:46
